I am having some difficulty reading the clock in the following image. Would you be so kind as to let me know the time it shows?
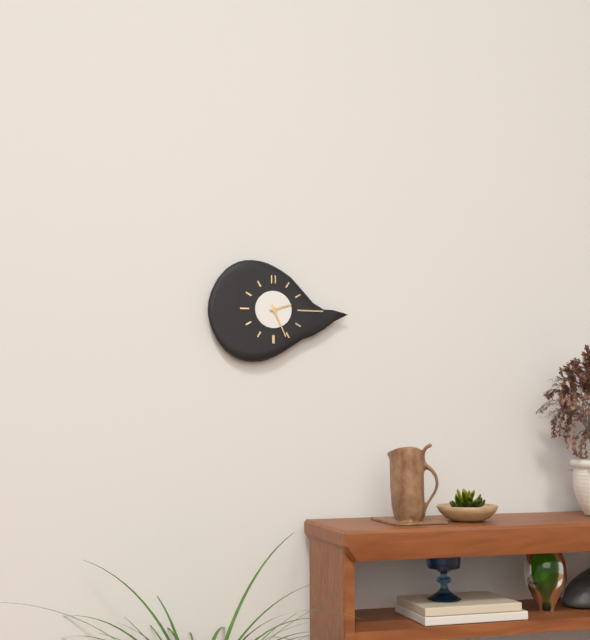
2:26
